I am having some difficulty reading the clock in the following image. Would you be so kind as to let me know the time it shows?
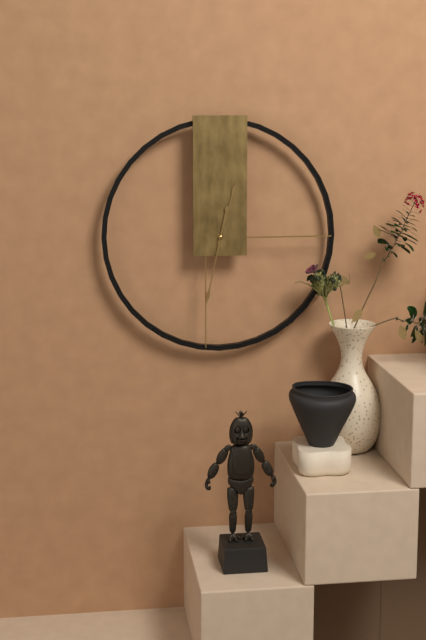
12:32
